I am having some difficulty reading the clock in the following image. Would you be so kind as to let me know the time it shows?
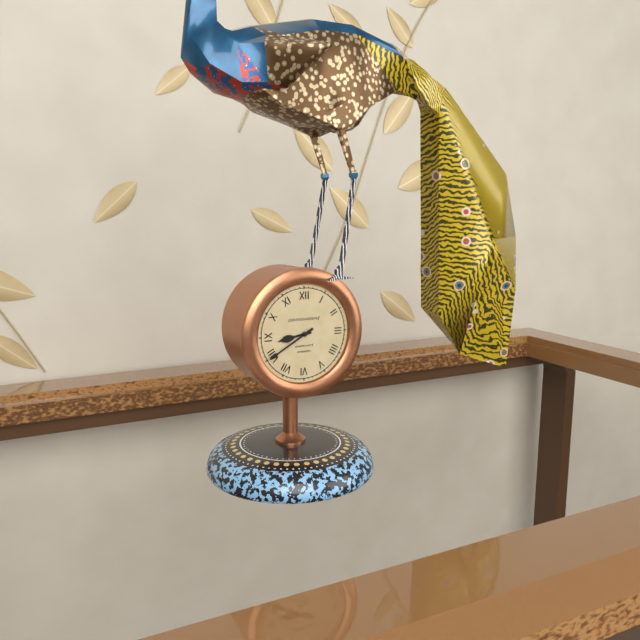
8:40
